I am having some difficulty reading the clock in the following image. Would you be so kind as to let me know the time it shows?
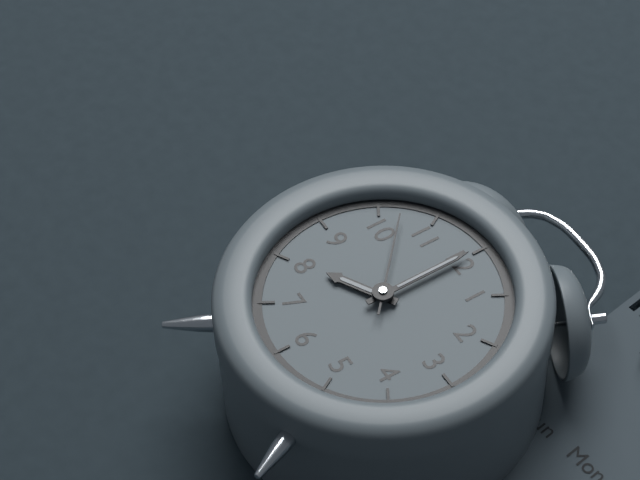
8:00:52
